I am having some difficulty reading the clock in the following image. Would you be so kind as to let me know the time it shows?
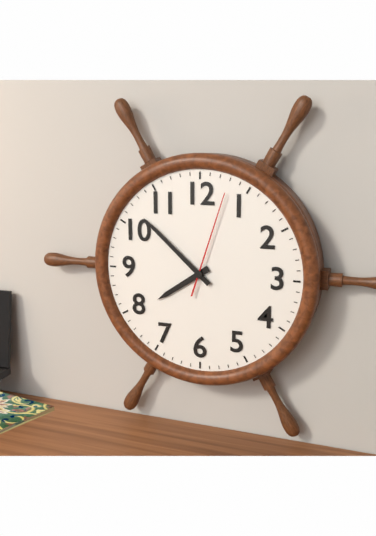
7:52:03
